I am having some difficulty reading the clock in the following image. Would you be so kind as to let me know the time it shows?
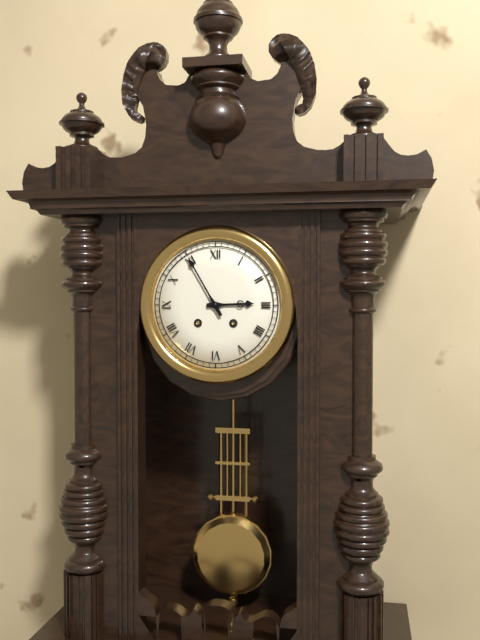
2:55
